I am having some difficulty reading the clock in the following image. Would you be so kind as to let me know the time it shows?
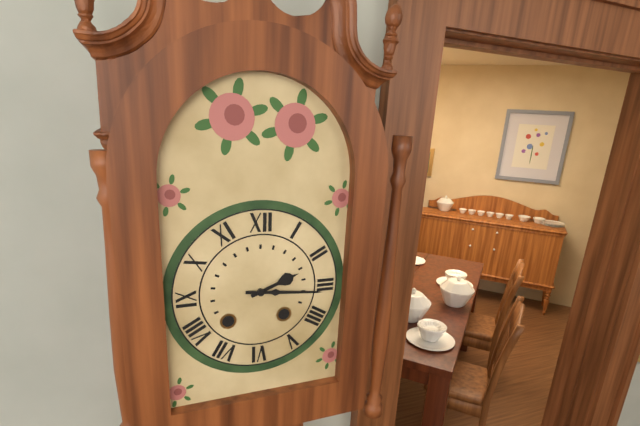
2:16
